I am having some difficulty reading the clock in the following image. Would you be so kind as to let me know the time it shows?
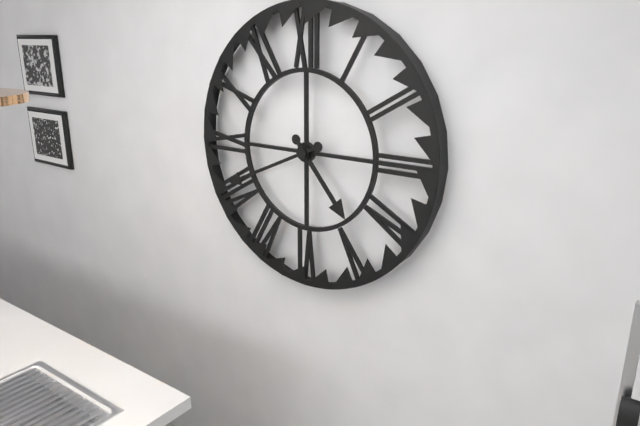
4:41
